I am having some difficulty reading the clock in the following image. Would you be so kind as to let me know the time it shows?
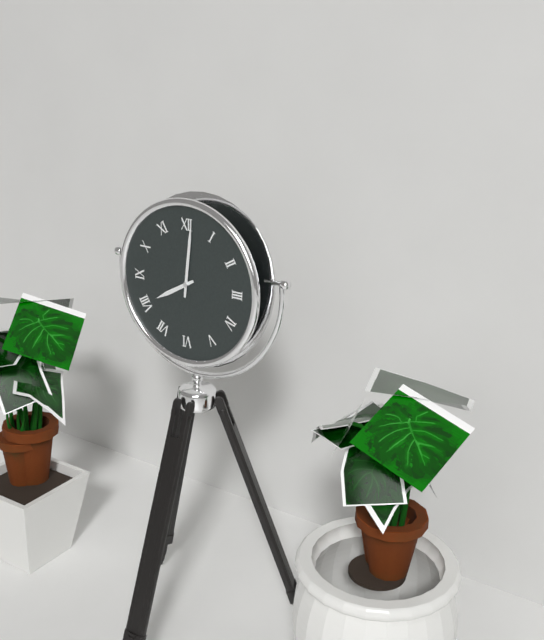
8:01
